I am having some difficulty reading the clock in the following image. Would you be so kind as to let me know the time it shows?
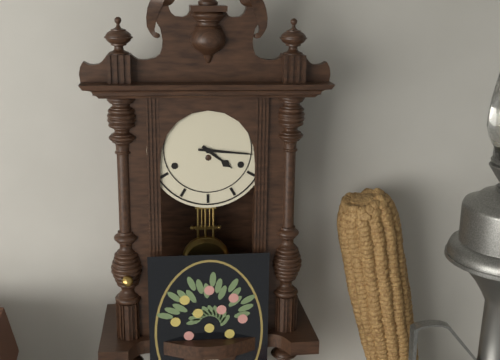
4:16
